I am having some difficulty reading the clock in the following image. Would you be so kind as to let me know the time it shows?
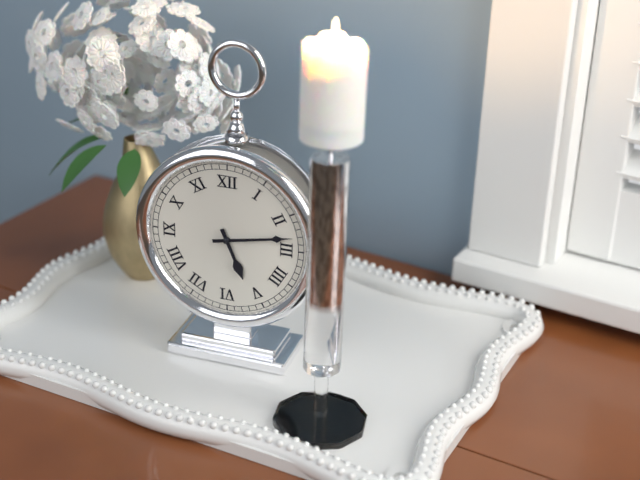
5:13
